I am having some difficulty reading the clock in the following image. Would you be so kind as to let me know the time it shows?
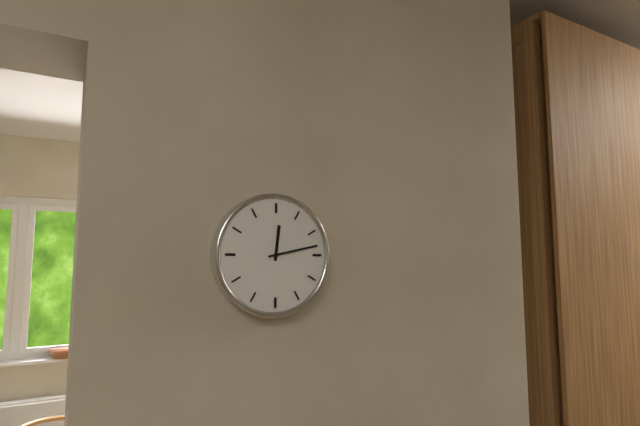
12:13
